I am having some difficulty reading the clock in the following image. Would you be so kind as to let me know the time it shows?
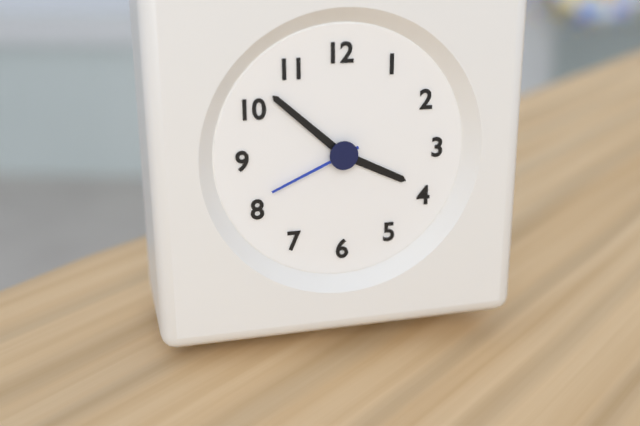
3:52:41
